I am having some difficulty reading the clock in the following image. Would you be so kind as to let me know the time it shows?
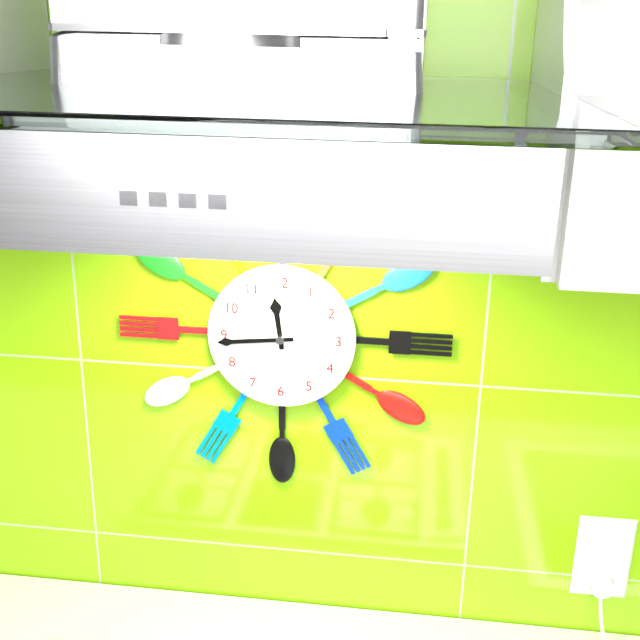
11:44
